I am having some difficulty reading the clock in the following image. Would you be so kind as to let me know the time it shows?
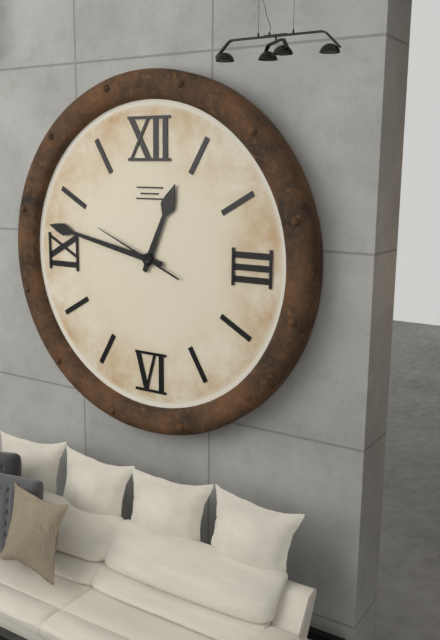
12:47:49
